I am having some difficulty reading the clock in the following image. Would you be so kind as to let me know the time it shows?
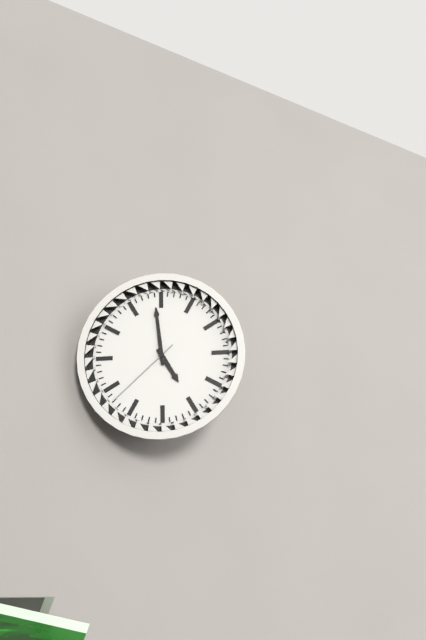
4:59:38
